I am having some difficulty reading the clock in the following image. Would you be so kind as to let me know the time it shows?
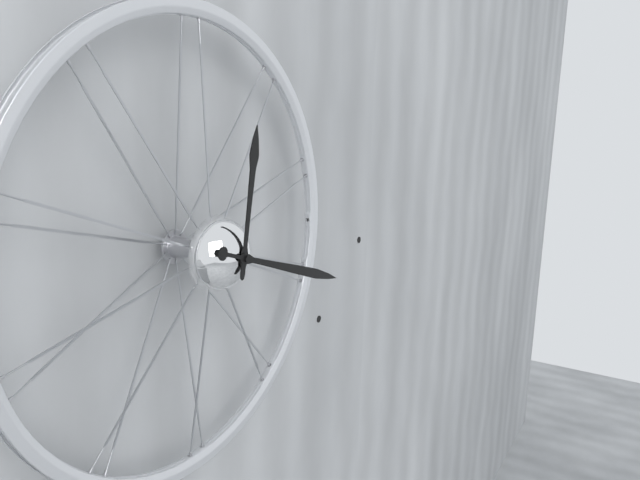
12:18
